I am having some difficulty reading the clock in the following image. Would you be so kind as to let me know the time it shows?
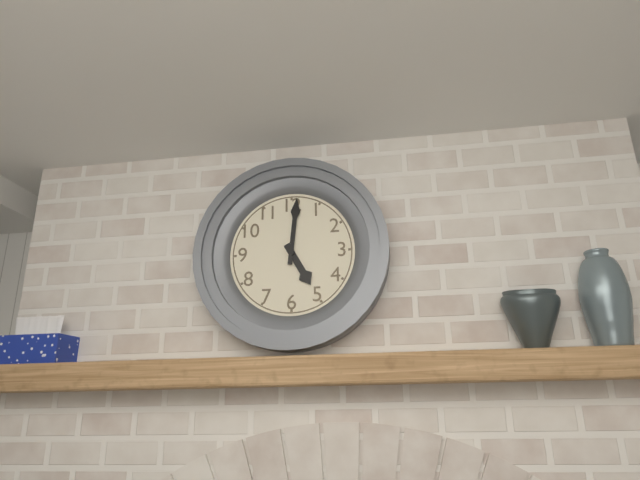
5:01
